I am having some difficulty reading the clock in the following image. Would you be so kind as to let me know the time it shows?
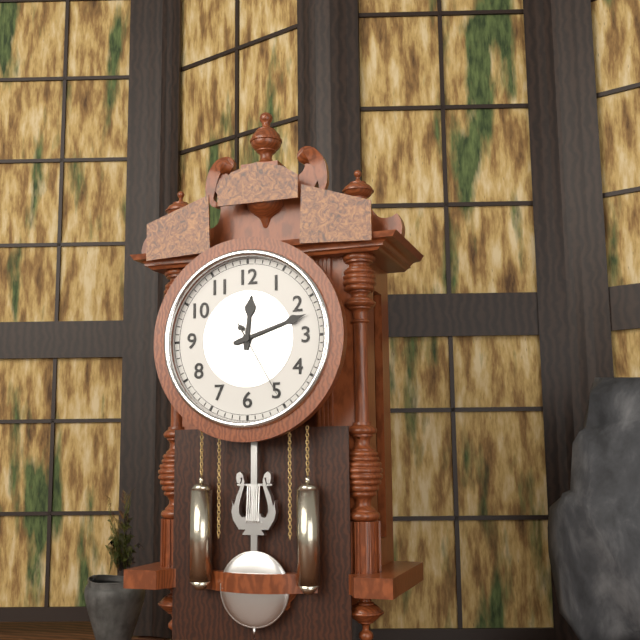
12:12:25
